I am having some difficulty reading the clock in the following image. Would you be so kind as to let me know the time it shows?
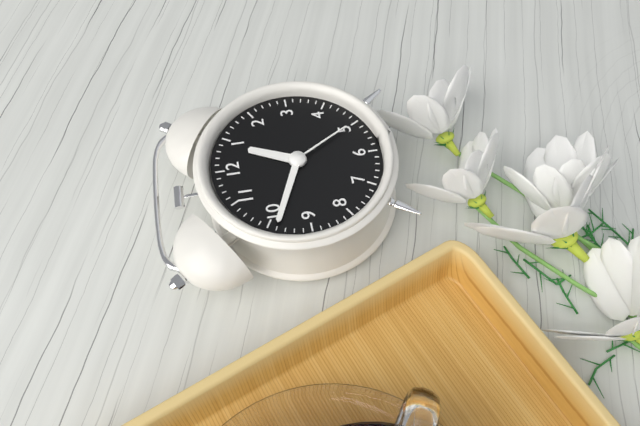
12:49:25
